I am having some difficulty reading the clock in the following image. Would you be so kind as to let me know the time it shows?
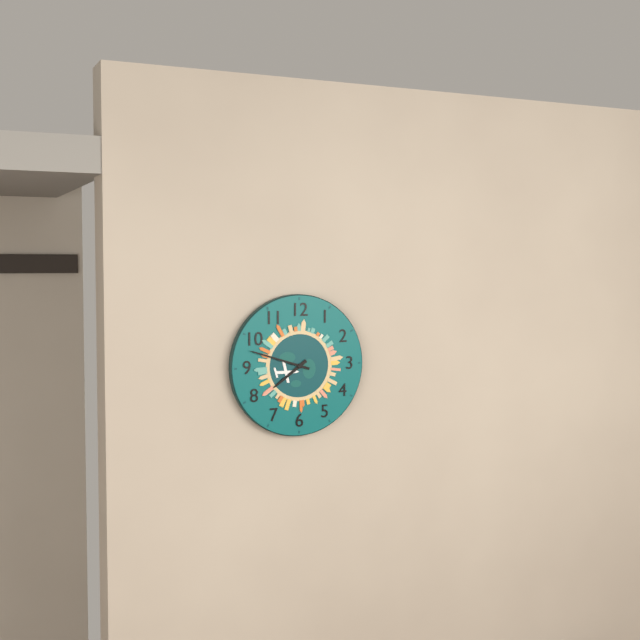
7:48
